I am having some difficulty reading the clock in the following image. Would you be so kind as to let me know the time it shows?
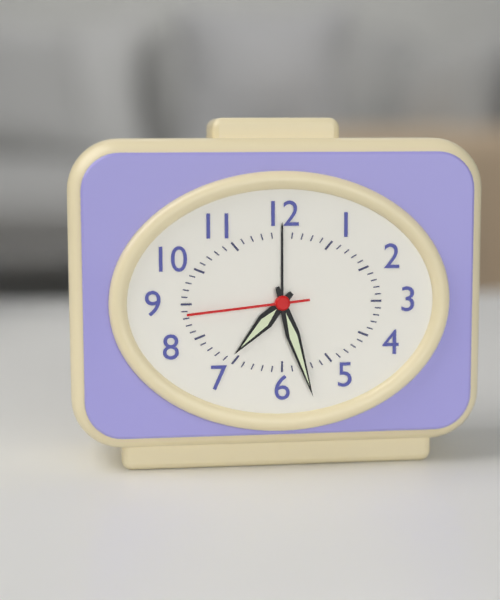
7:27:44
